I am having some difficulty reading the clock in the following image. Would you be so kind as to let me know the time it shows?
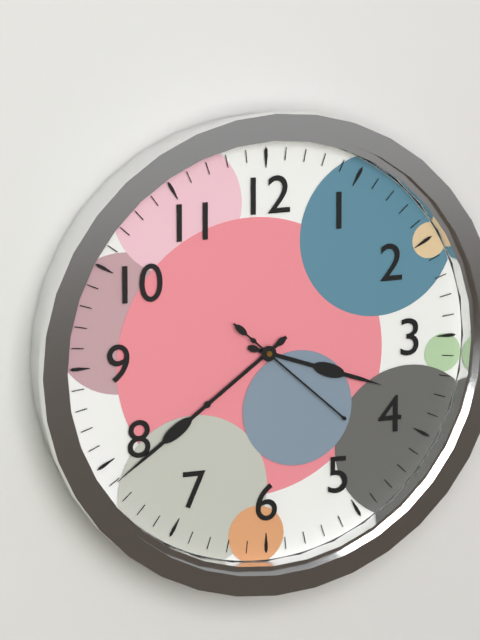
3:39:22
